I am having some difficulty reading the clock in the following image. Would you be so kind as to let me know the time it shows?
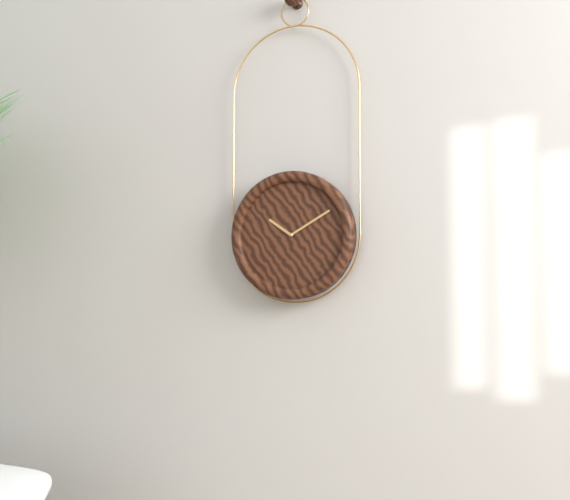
10:10
